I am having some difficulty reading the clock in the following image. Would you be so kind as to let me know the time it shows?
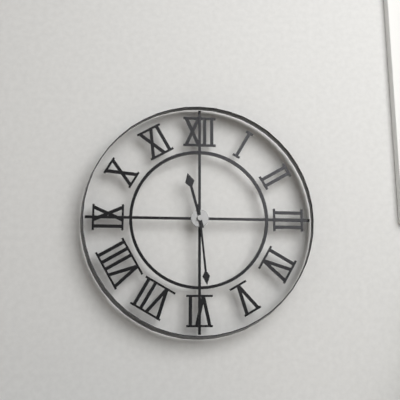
11:29
